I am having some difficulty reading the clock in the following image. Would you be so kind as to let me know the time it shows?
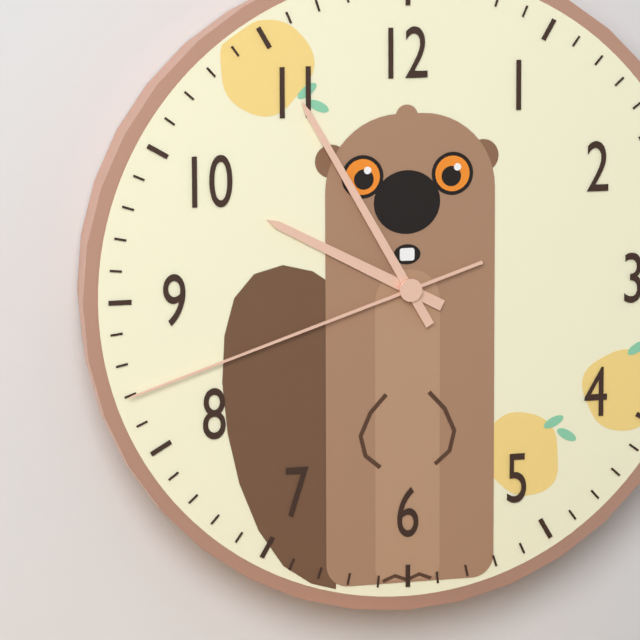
9:55:42
